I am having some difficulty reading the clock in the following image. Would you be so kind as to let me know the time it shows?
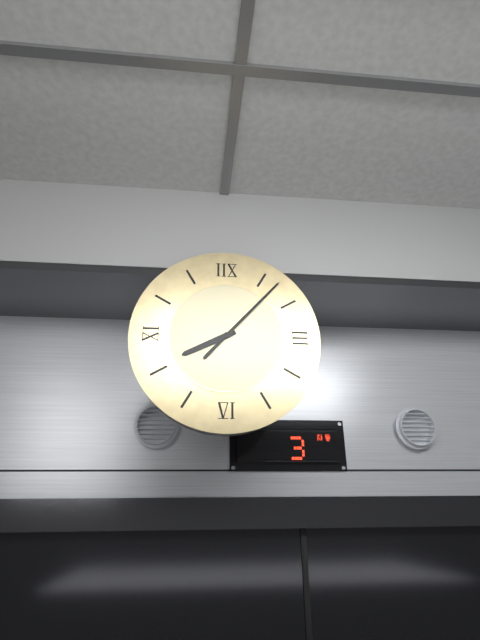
8:07
